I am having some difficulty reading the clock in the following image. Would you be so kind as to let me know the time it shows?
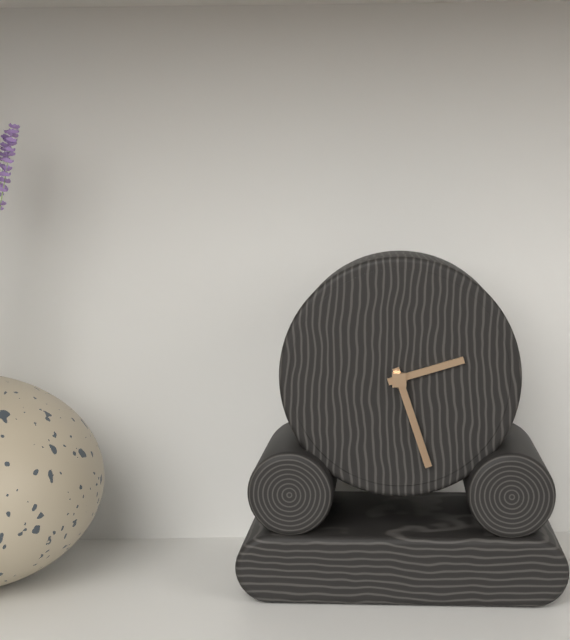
2:27
